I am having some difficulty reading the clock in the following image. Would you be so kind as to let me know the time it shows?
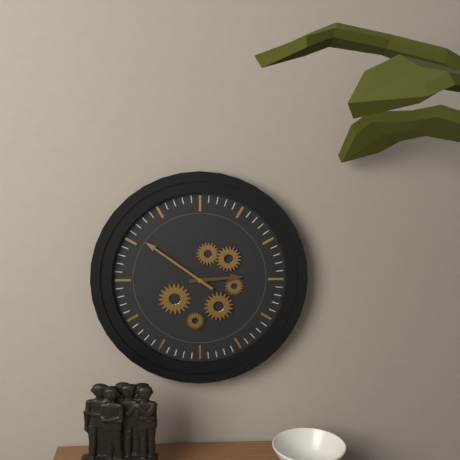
2:51
